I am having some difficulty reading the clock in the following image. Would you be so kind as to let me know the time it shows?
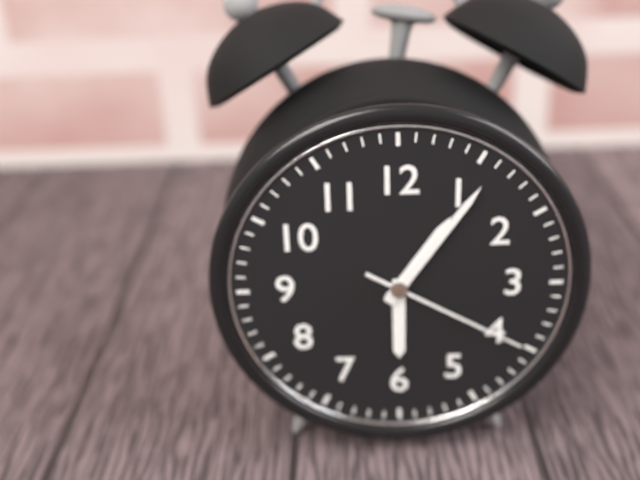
1:06:20
